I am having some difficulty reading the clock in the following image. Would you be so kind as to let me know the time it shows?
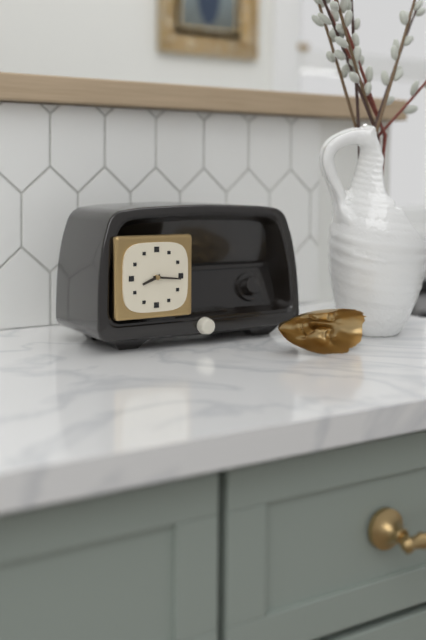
8:16
